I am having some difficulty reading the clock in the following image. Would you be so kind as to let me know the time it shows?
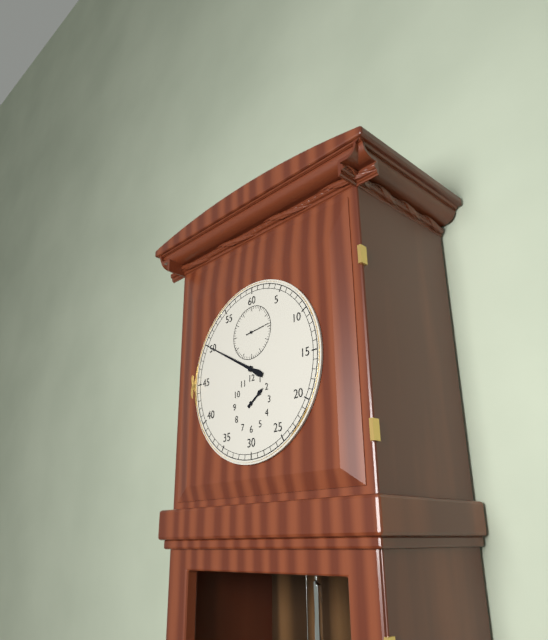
1:50
